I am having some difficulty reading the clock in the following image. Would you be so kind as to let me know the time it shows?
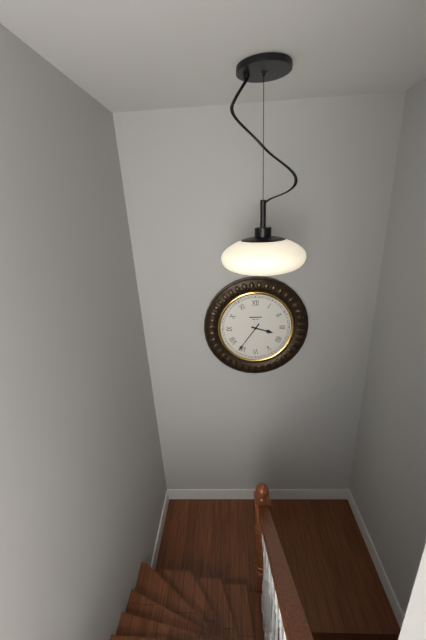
3:36
